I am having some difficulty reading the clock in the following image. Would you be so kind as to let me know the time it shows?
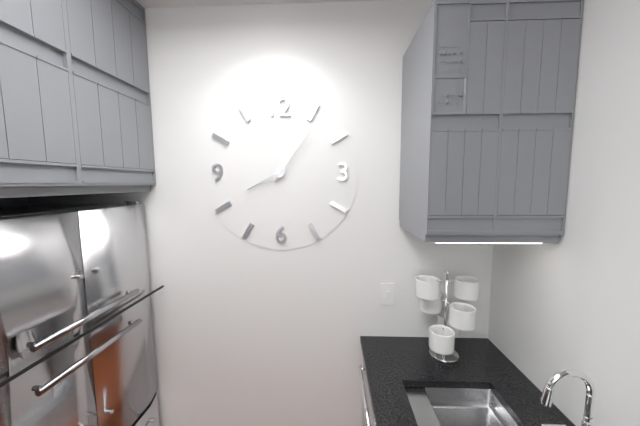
8:06
